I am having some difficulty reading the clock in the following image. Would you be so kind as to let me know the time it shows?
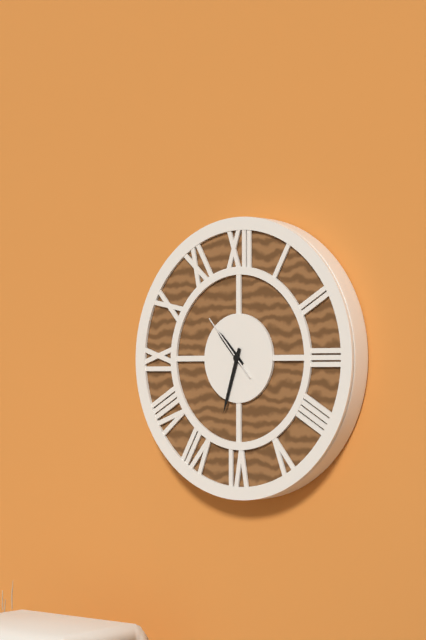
10:33:53
